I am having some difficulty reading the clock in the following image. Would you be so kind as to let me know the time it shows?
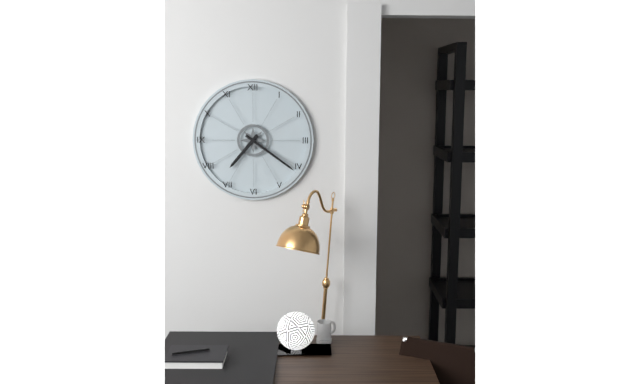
7:21
